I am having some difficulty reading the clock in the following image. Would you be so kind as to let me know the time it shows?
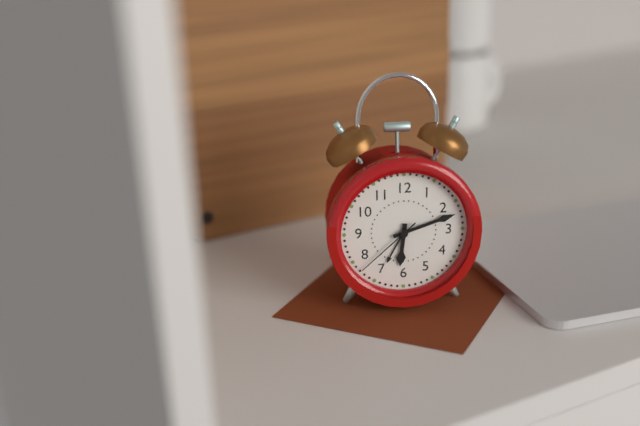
6:12:38
